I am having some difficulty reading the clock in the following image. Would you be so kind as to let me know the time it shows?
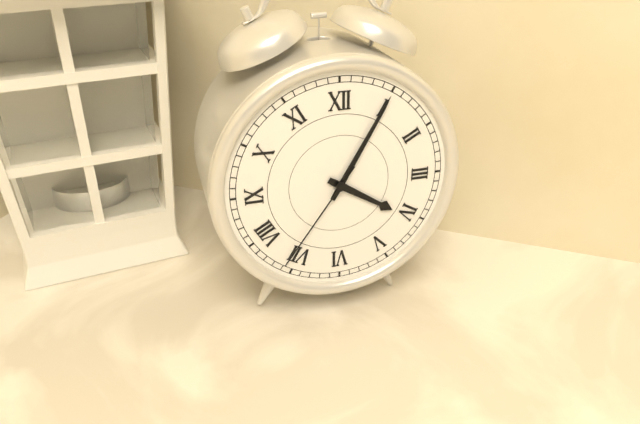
4:05:36
